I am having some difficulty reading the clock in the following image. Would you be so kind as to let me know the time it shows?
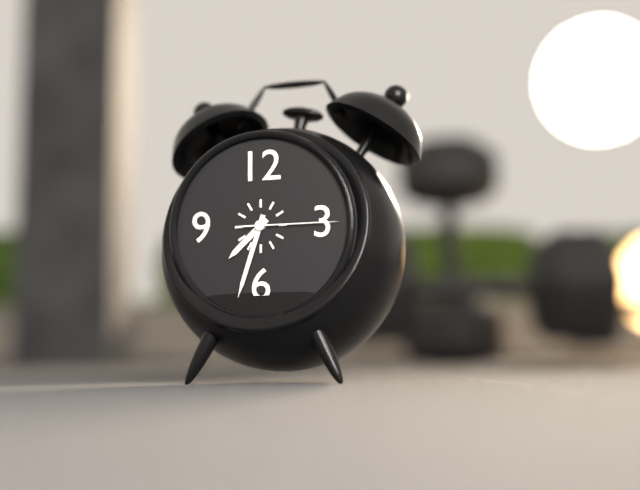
7:33:15
